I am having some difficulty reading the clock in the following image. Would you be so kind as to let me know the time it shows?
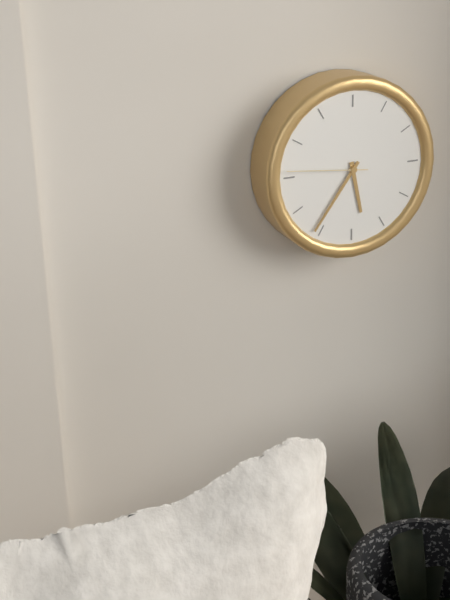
5:36:46
